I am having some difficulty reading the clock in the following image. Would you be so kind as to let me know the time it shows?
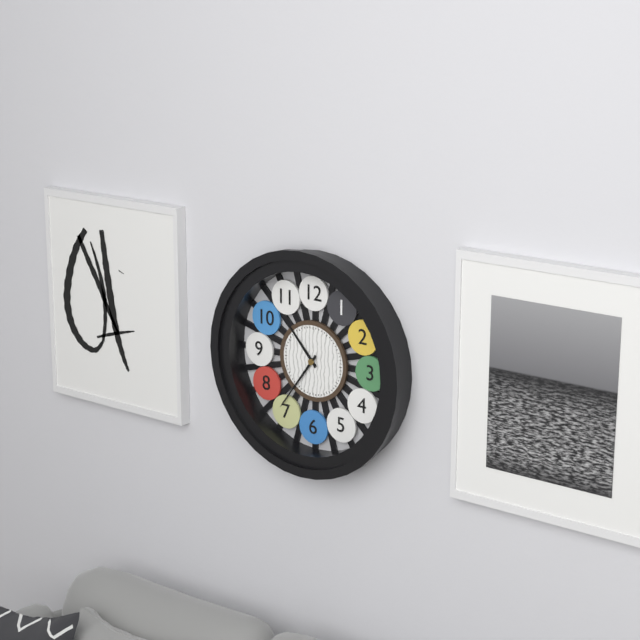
10:36
